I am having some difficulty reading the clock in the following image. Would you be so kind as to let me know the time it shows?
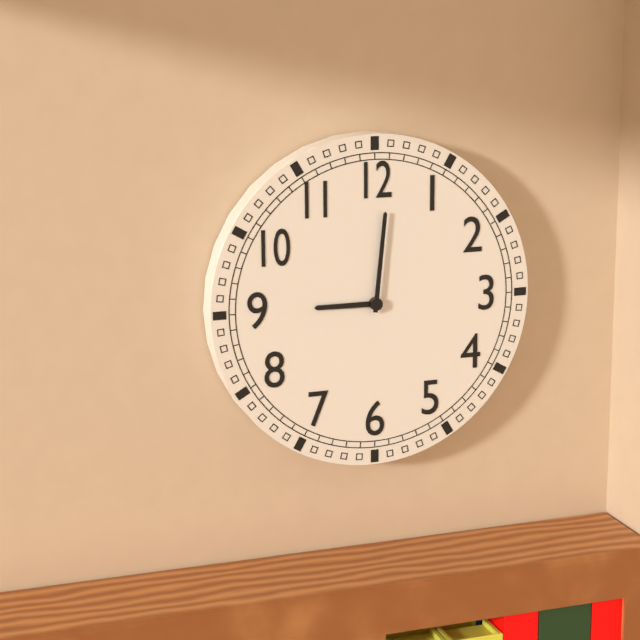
9:01
